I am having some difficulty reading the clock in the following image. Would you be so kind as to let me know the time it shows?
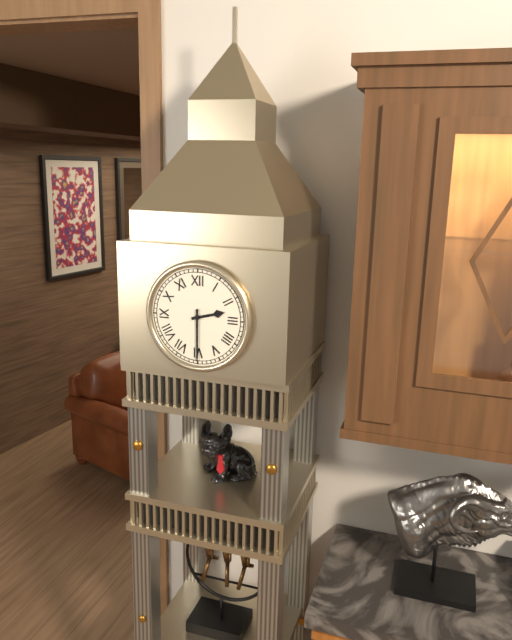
2:30
